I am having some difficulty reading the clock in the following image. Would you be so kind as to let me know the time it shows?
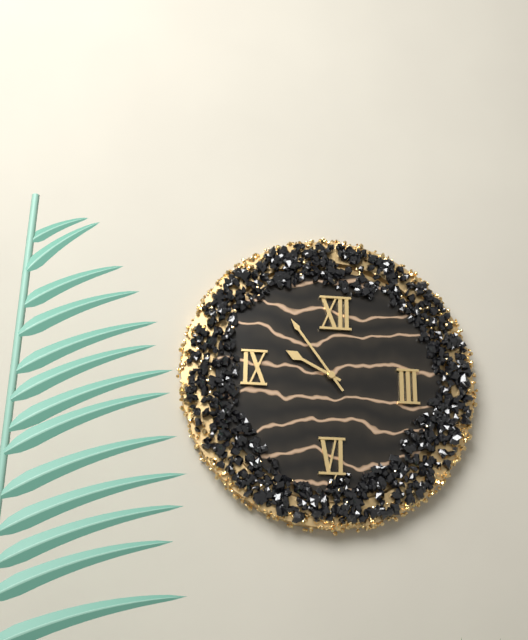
9:54
